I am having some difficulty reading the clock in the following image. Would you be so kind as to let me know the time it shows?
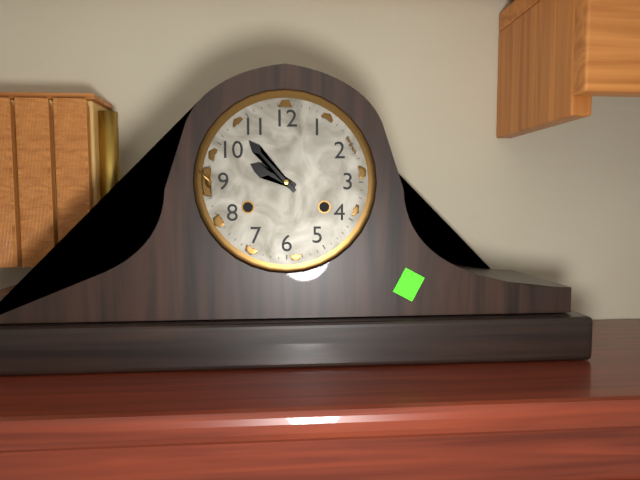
9:53
